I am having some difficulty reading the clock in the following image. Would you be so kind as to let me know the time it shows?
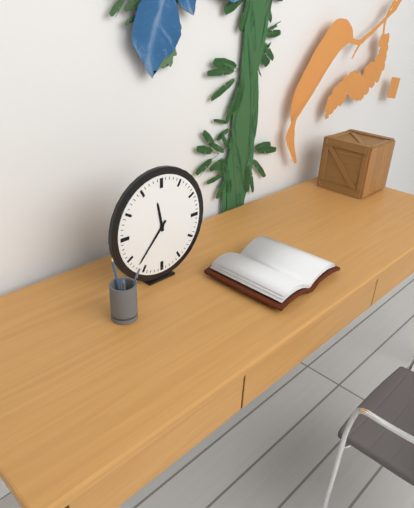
11:37
